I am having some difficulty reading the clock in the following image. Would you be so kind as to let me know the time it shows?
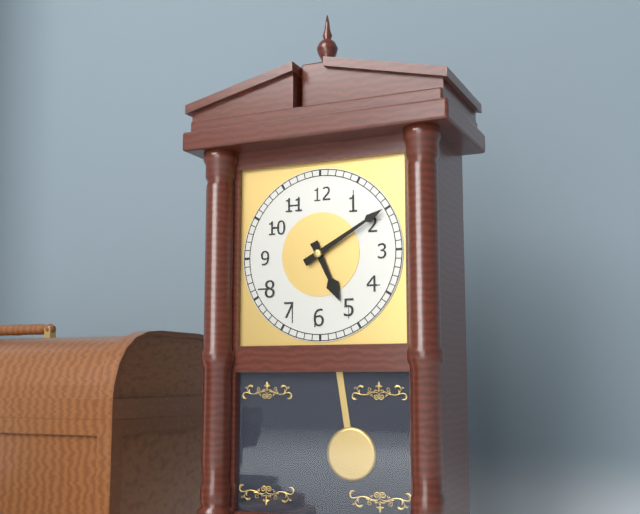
5:10
